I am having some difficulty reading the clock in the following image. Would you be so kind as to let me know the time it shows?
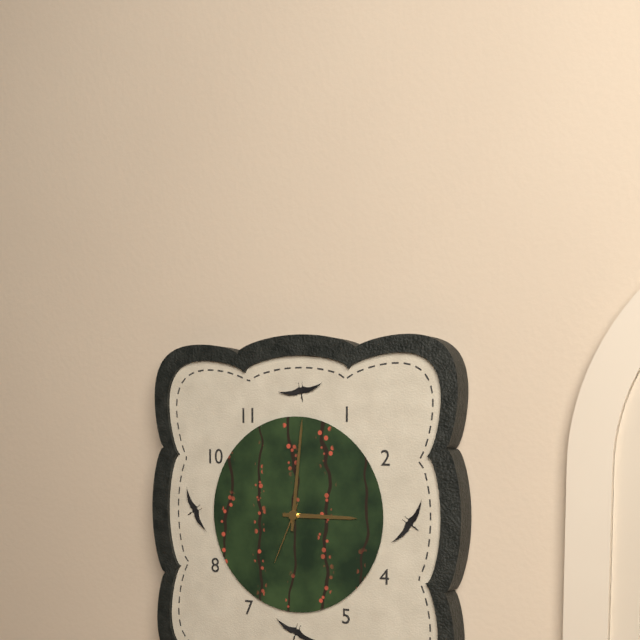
3:01:34
